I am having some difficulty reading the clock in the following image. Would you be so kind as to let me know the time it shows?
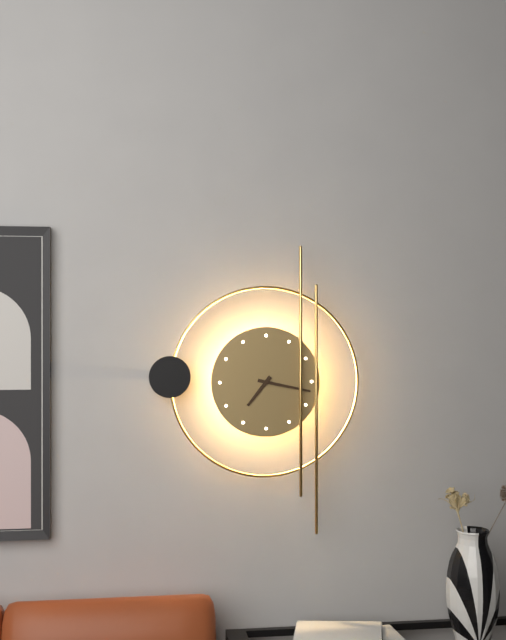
7:17
